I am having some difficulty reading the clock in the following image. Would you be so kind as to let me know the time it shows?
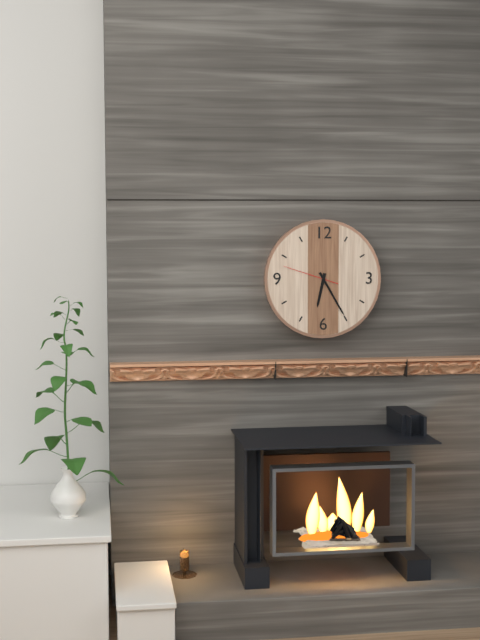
6:25:48
